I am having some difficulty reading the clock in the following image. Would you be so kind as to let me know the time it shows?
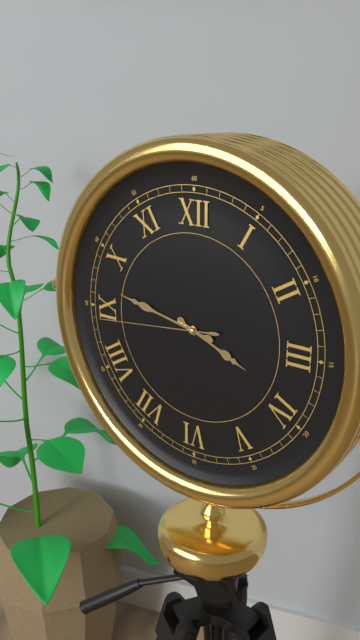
3:47:44
